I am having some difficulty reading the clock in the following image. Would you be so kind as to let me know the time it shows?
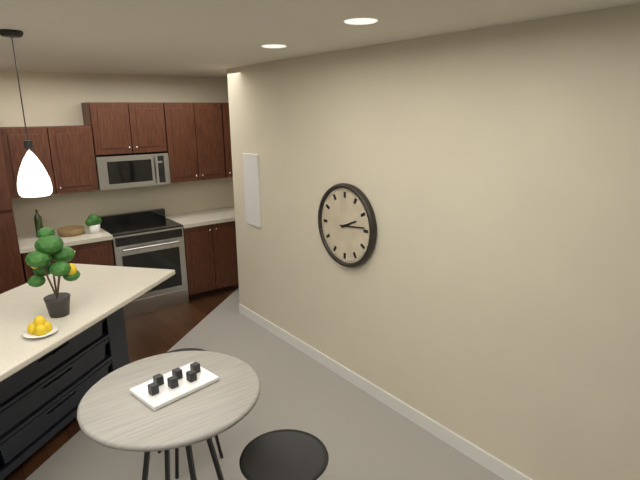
2:14
